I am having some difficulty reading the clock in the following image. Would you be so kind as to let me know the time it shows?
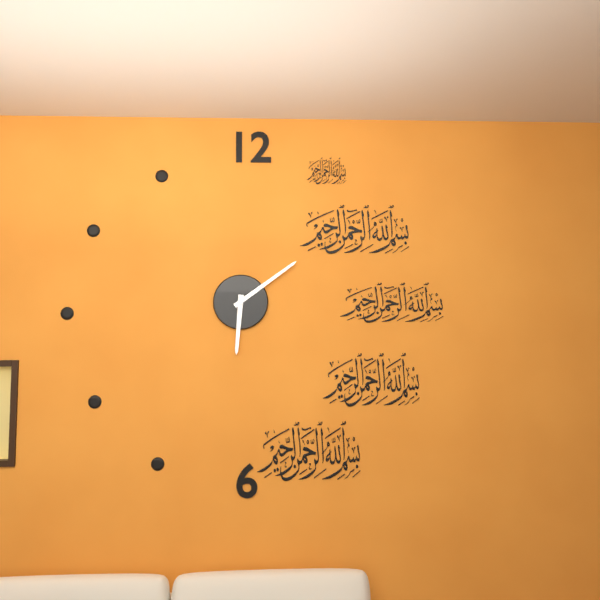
6:09
